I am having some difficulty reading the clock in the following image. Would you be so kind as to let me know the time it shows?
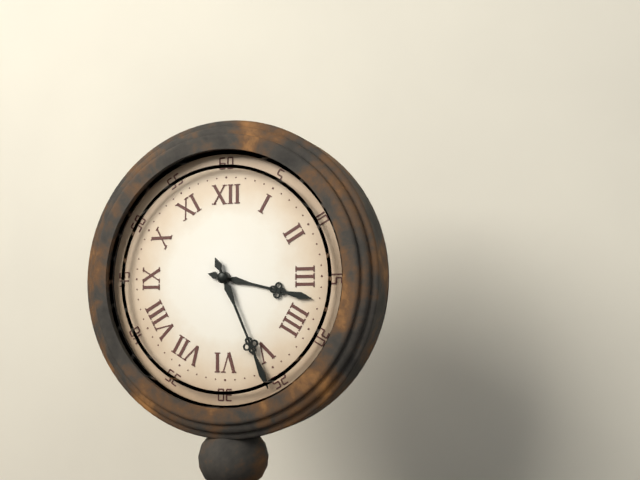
3:26
